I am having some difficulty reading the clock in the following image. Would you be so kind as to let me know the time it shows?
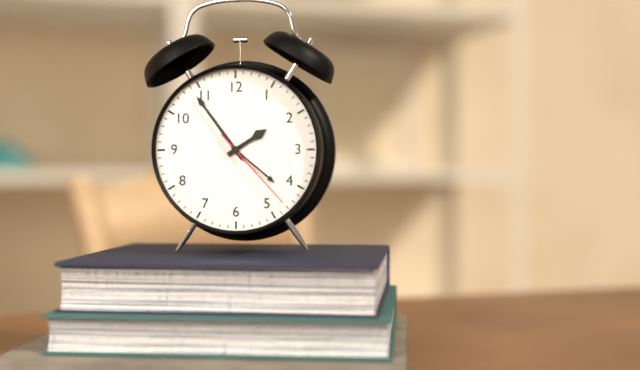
1:54:23
